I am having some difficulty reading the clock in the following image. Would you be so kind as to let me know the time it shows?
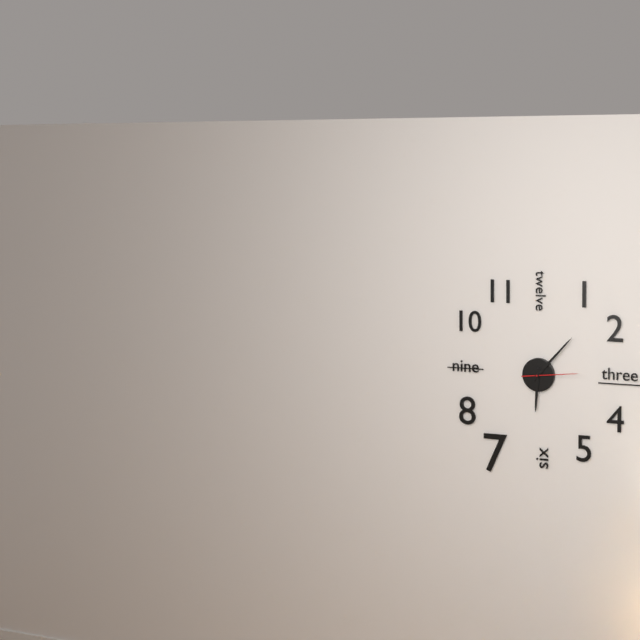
6:07:14
